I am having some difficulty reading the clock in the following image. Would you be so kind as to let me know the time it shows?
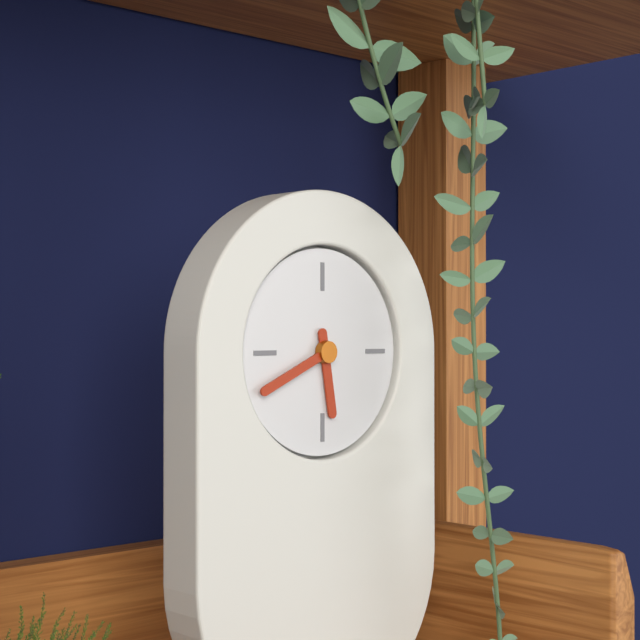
5:41
